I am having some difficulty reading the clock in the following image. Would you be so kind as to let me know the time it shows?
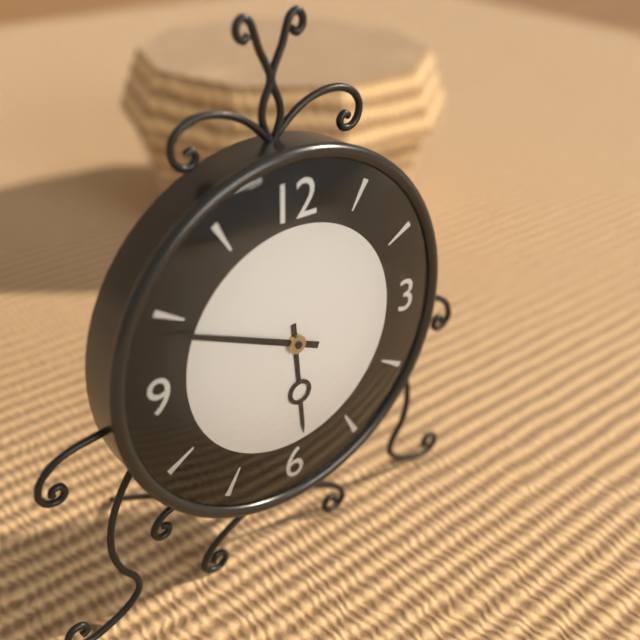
5:49
